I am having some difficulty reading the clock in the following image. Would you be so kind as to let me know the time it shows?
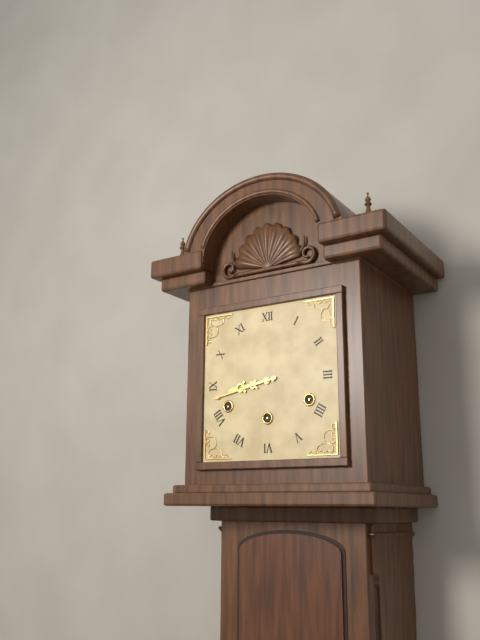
8:43
